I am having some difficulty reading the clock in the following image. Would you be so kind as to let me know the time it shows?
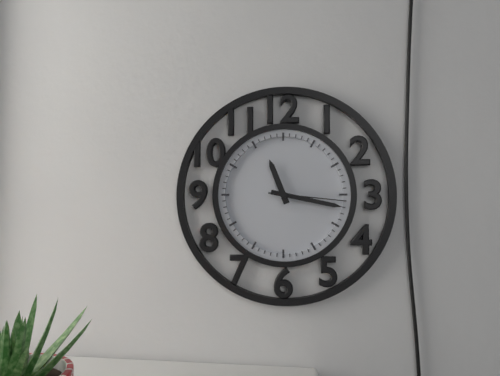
11:17:16
